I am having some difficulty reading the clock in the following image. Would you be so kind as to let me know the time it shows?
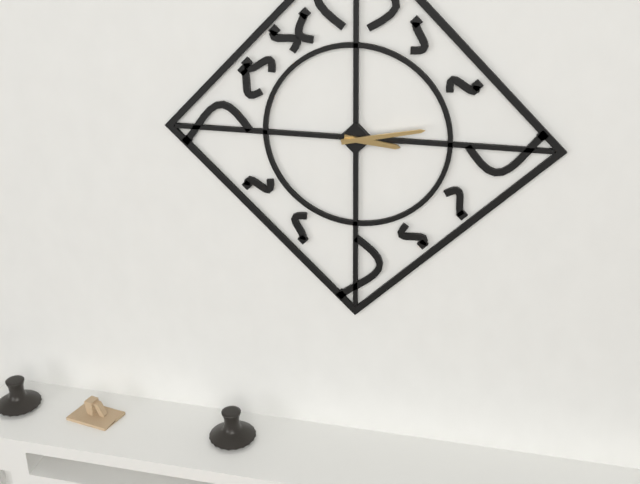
3:13
